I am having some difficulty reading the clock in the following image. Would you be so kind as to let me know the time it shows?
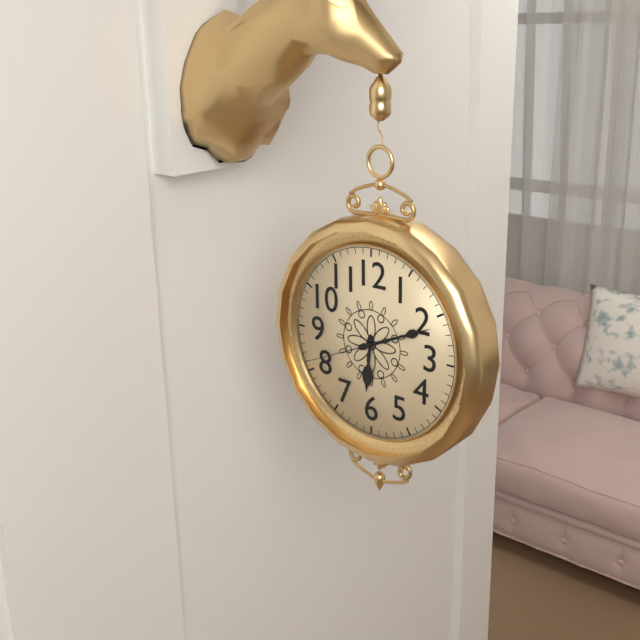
6:11:41
